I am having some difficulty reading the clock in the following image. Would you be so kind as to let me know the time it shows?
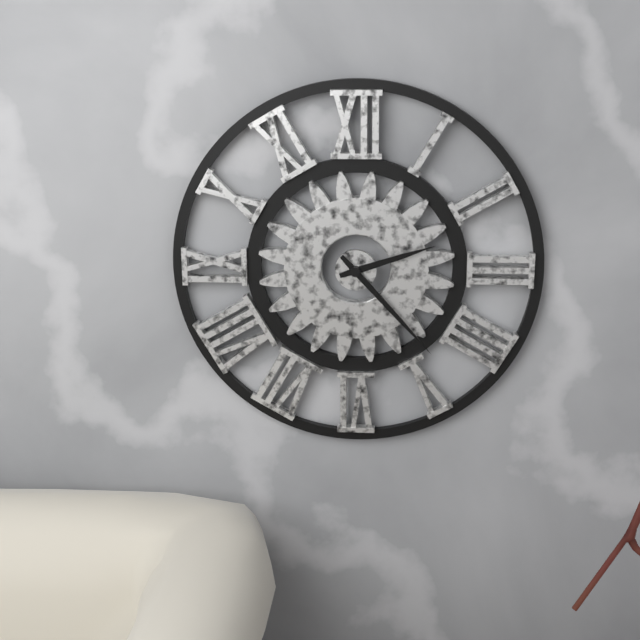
2:23
